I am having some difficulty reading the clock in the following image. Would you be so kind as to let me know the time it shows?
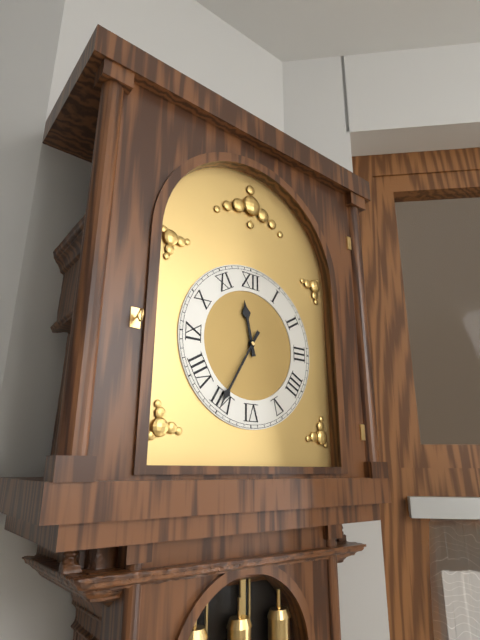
11:35
